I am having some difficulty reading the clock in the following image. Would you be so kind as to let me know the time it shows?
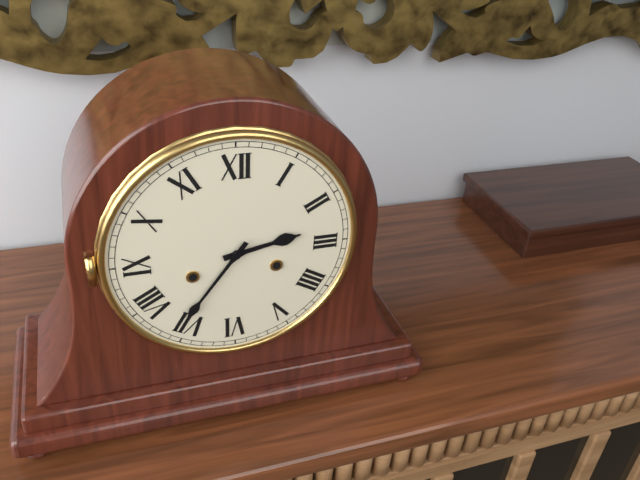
2:36
